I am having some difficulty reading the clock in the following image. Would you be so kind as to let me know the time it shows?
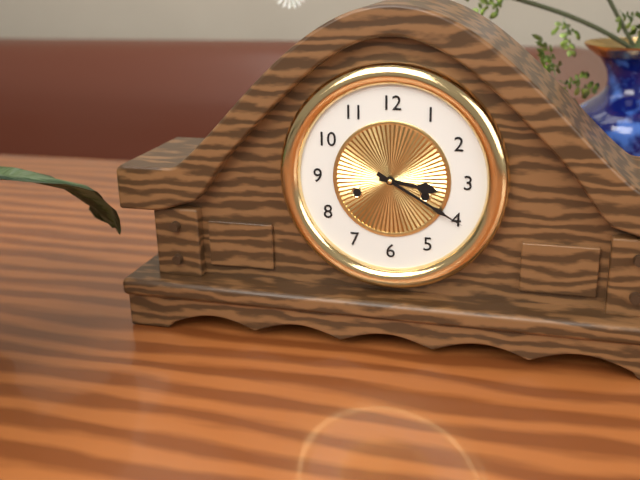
3:20
